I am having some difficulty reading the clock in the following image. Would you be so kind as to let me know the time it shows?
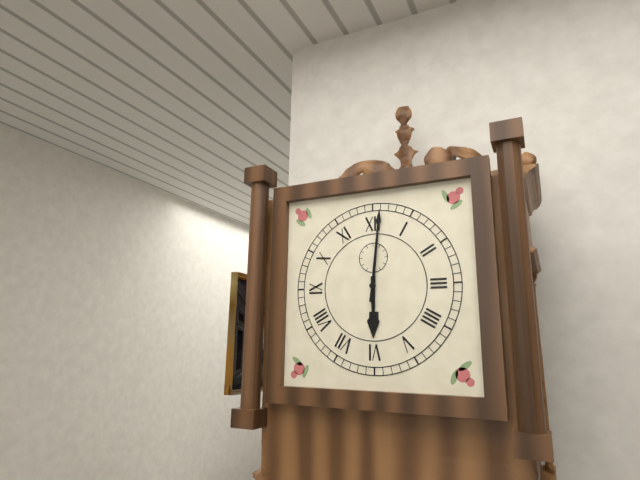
6:01
